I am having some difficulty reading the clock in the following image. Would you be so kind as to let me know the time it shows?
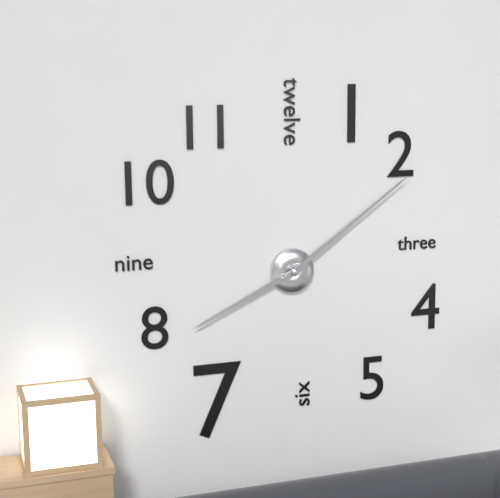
8:09
